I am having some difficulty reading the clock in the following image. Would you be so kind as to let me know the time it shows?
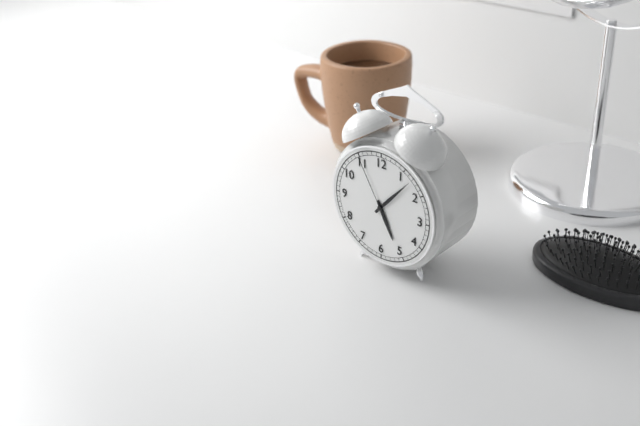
5:07:55
